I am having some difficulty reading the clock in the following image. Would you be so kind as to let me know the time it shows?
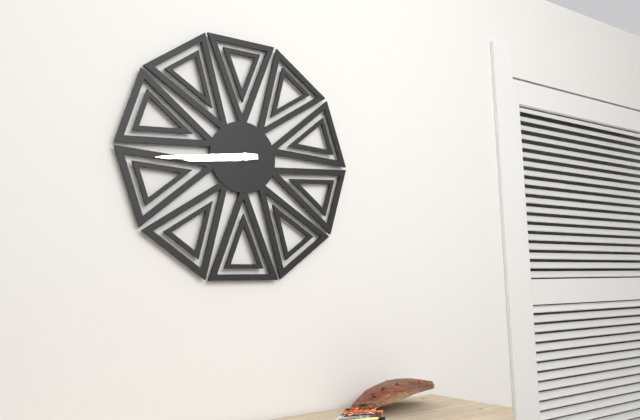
8:44
